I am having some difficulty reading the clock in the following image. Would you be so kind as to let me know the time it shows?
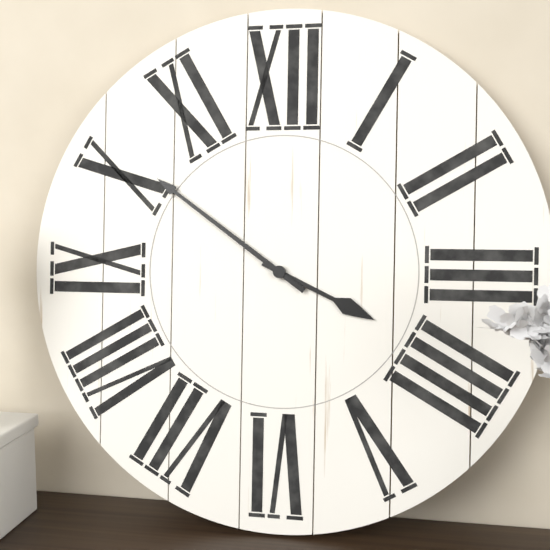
3:51
